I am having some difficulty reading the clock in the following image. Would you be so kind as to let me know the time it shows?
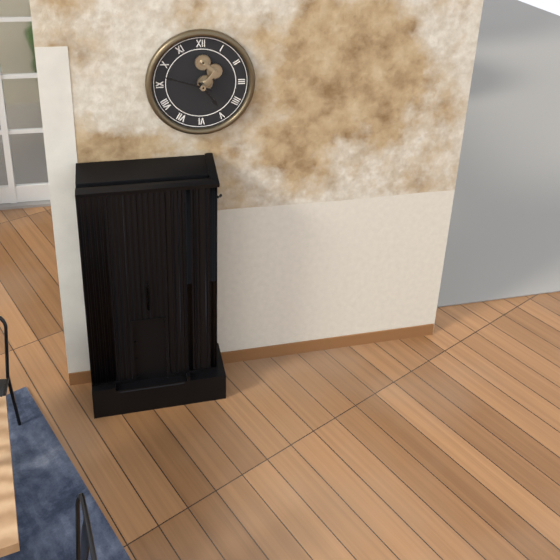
4:48
